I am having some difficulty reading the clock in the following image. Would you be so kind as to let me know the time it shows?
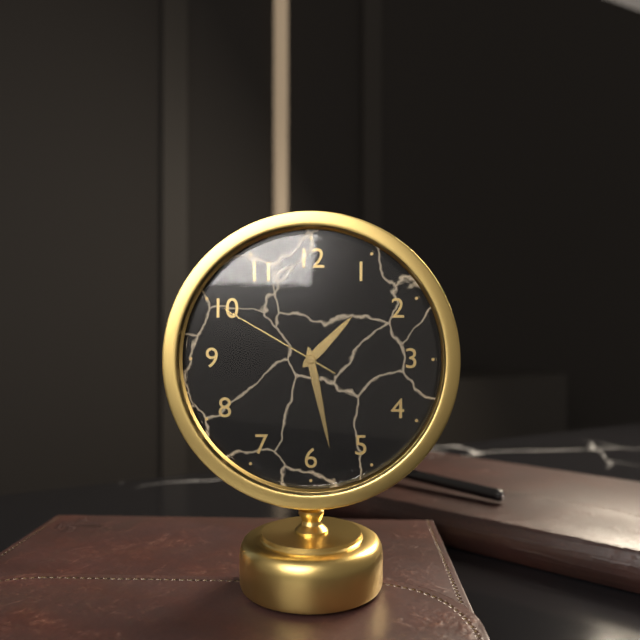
1:28:50
